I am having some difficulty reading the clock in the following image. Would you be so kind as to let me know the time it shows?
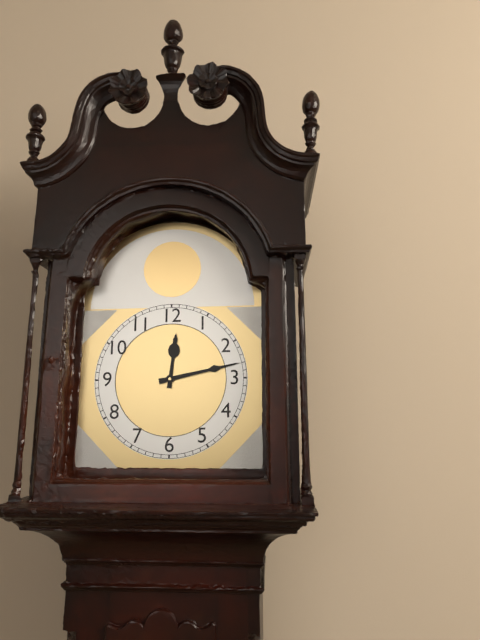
12:13
